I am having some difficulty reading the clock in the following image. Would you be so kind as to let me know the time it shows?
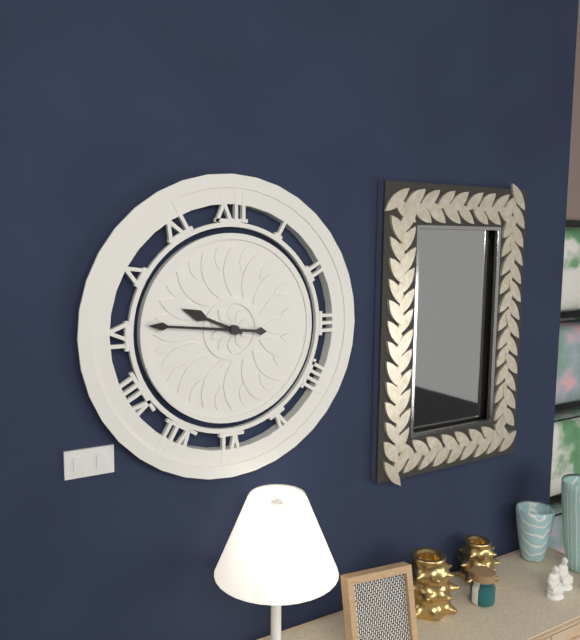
9:46
